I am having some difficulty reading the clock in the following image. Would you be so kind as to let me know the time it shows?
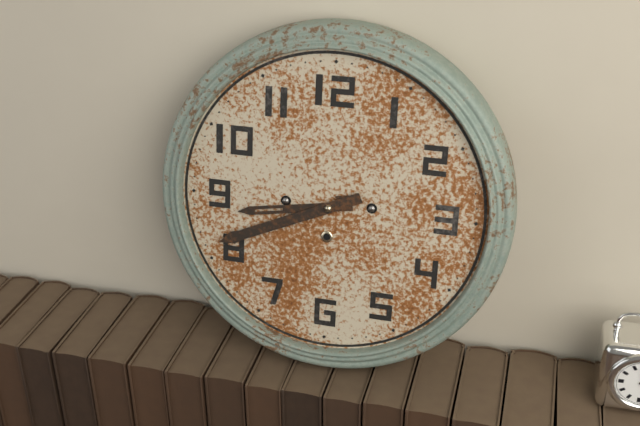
8:41
